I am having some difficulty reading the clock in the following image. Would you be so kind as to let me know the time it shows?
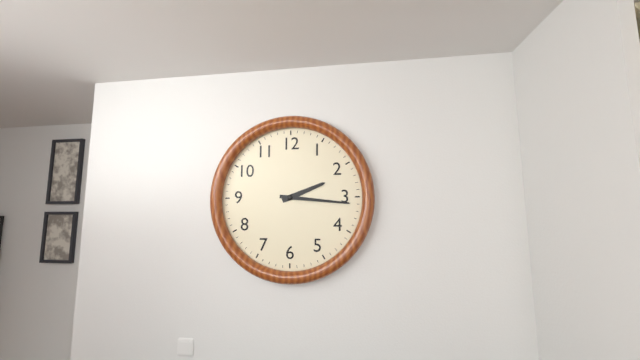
2:16
